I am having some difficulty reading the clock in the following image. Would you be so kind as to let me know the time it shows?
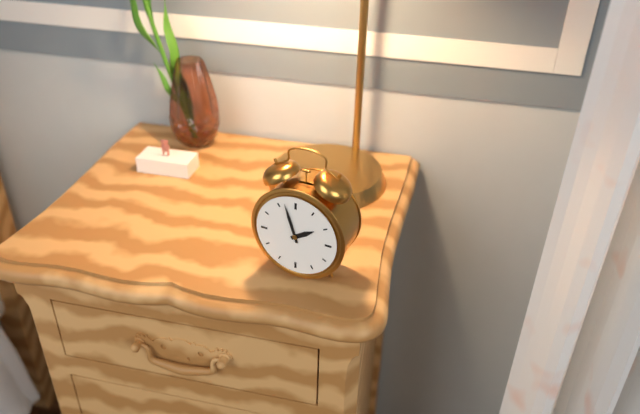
1:57
